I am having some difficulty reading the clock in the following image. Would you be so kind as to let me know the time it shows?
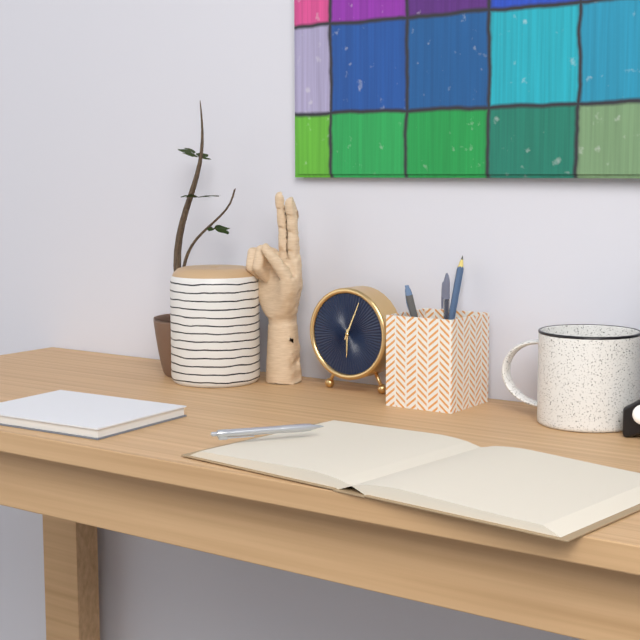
6:04
